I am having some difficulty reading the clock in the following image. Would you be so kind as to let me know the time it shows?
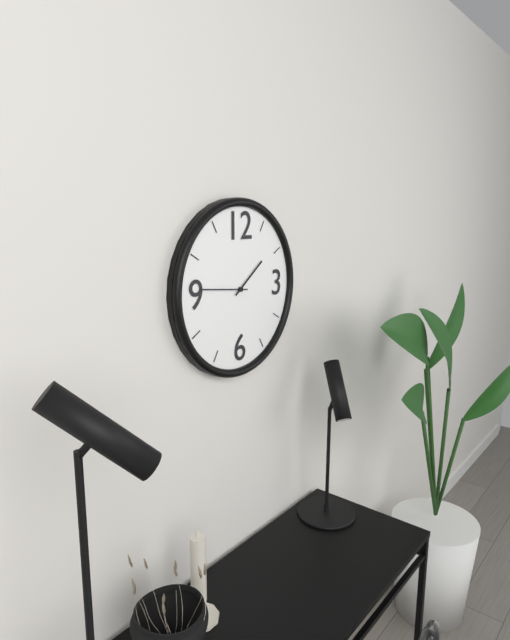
1:46
